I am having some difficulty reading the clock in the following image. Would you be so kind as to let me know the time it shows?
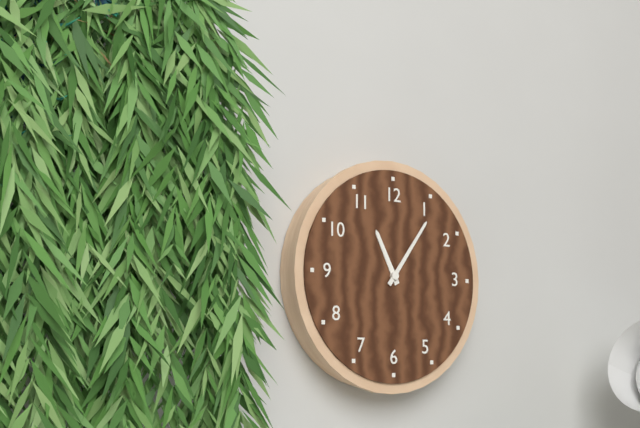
11:06
